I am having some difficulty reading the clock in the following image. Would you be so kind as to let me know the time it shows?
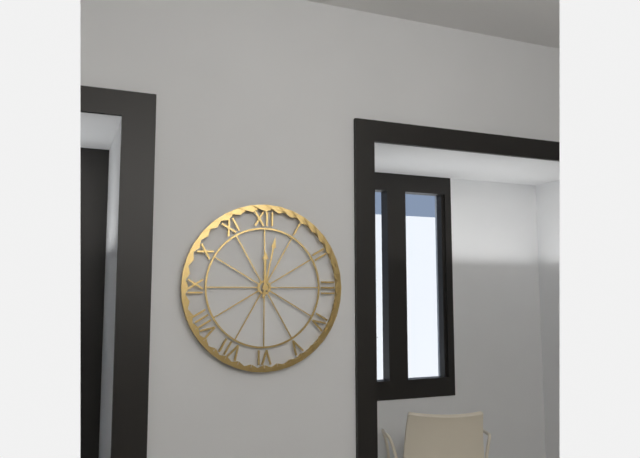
12:02
